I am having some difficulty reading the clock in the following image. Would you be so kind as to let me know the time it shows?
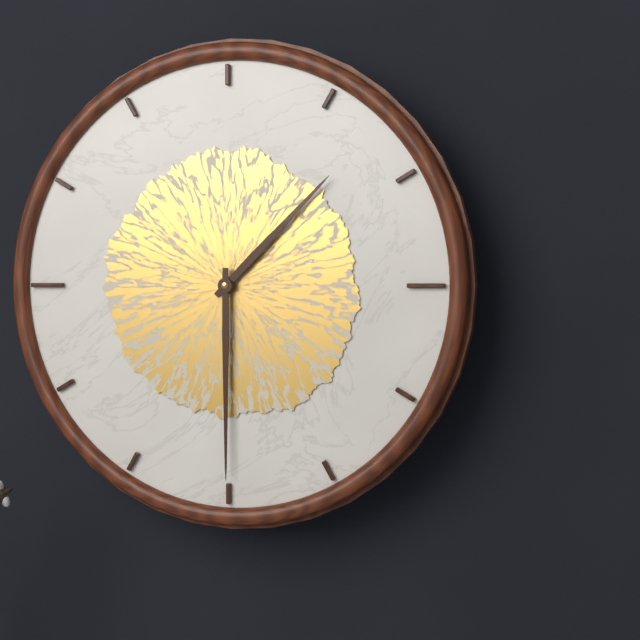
1:30
